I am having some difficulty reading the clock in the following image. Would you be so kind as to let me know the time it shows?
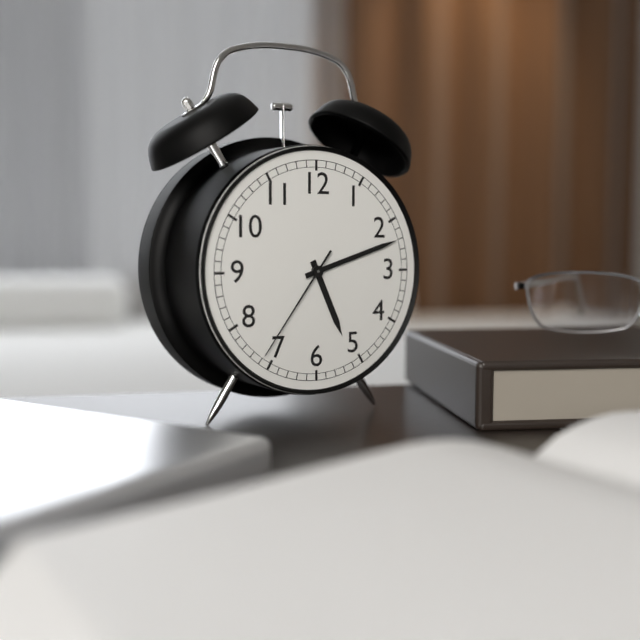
5:12:36
